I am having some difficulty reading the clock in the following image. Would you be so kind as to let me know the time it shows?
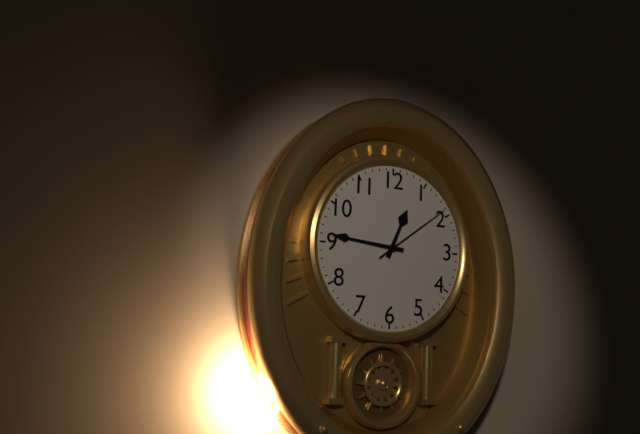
12:46:09
